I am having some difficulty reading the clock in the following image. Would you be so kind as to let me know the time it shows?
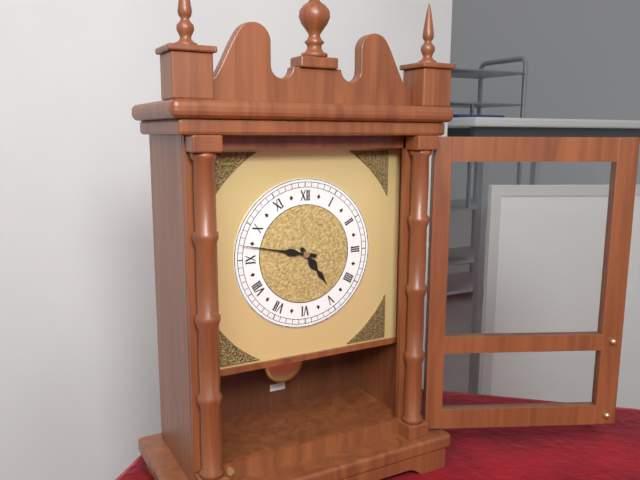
4:47
